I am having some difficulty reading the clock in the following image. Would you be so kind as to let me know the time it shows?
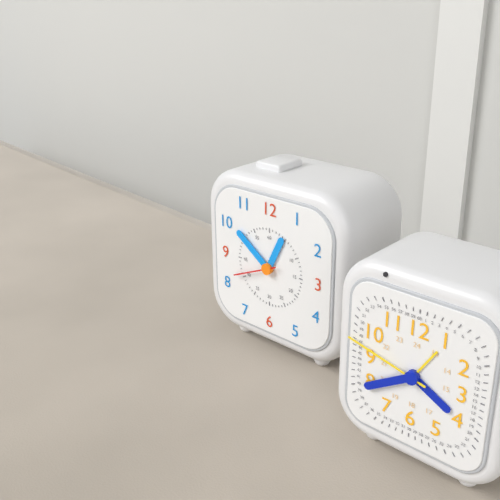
12:51
